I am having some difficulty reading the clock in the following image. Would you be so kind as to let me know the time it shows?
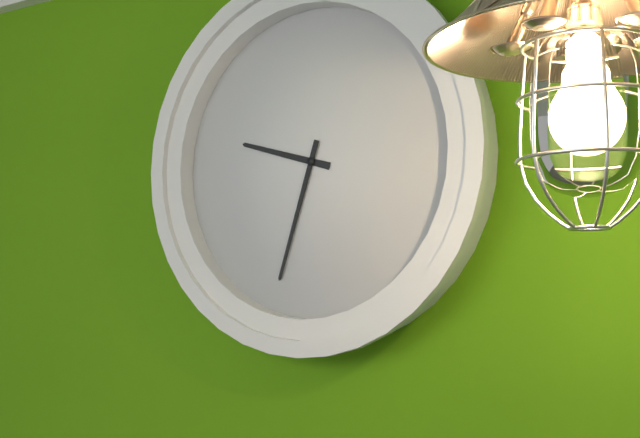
9:33
